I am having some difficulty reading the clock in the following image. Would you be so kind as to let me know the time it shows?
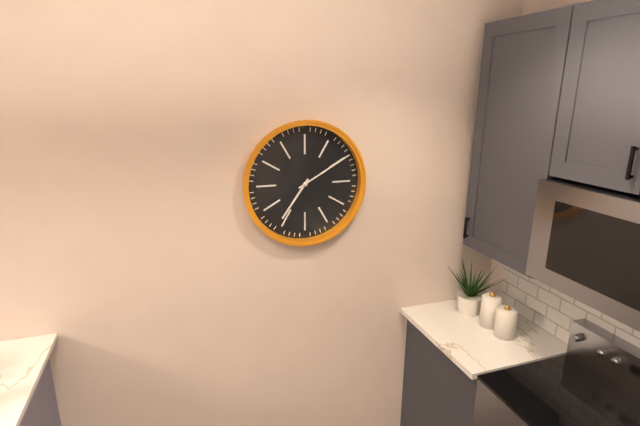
7:10
